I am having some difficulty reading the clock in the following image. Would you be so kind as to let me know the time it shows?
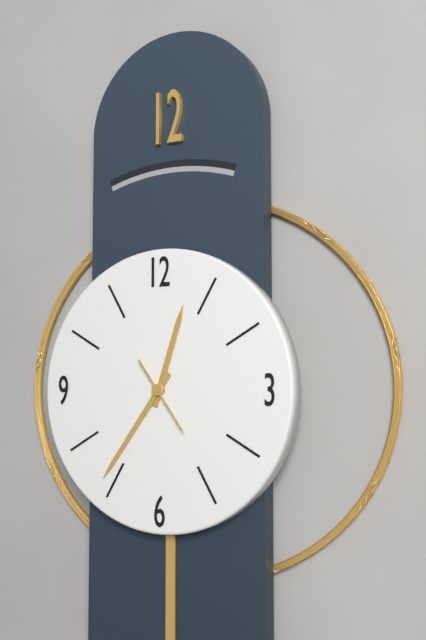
12:36:24
